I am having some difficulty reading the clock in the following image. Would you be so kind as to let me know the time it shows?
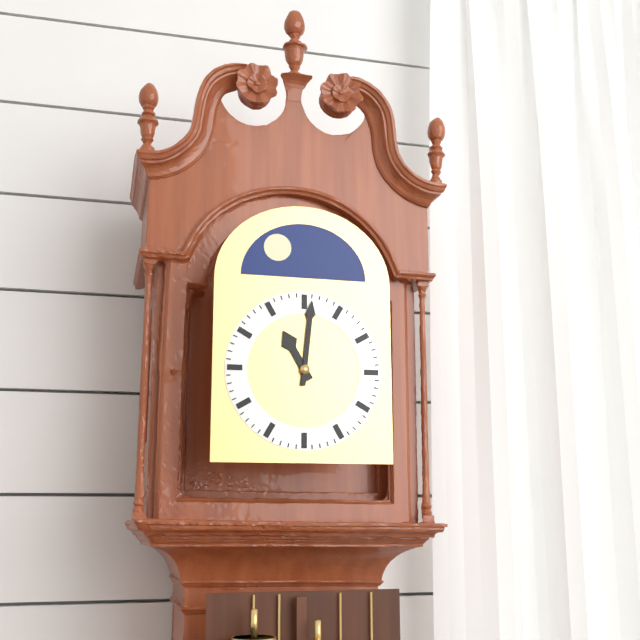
11:01
